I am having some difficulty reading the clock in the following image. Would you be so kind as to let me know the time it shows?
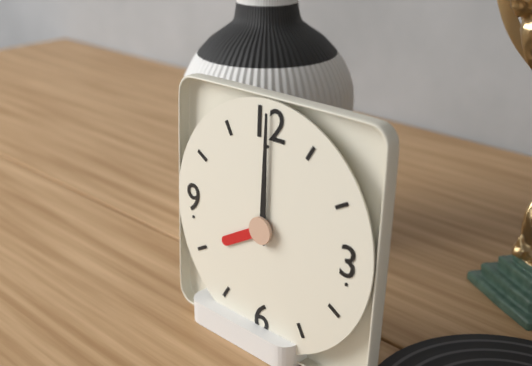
8:00
